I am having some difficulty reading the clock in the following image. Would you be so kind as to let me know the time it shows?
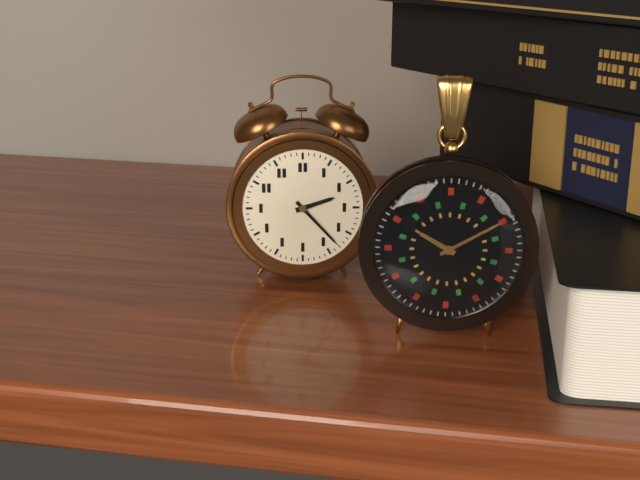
2:23
